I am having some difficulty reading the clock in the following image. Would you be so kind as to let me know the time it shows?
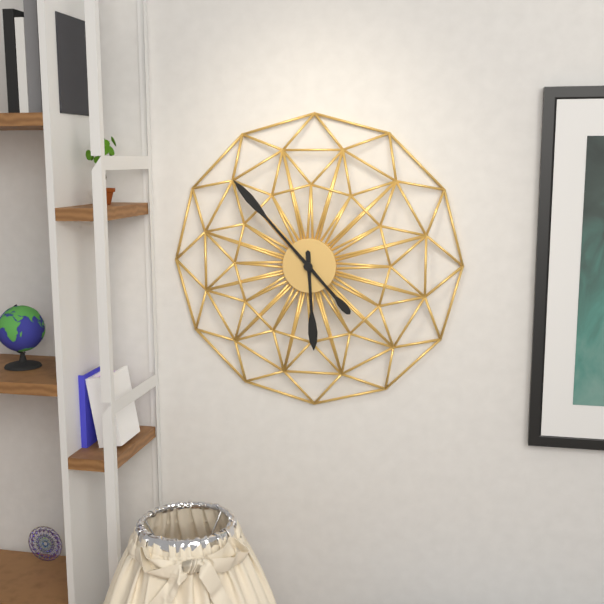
5:53
